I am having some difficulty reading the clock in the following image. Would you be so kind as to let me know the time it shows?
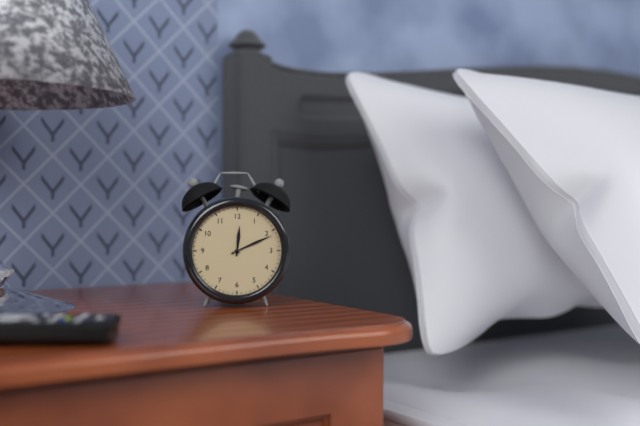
12:11
